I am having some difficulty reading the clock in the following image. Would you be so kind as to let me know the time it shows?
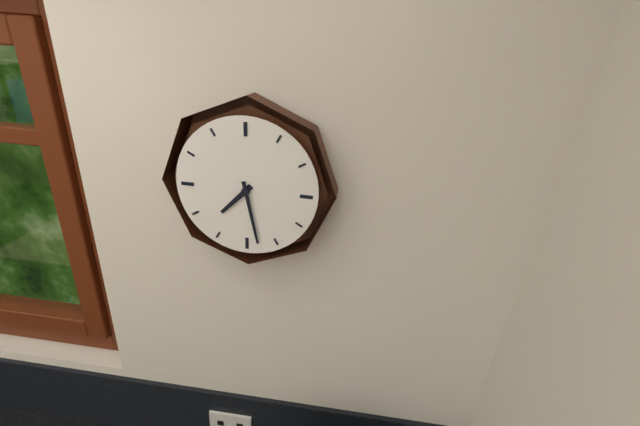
7:28
